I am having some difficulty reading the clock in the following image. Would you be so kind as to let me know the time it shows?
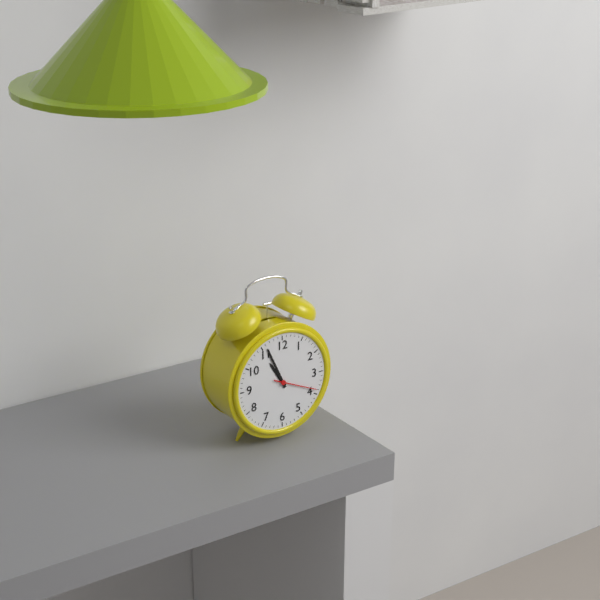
10:56
